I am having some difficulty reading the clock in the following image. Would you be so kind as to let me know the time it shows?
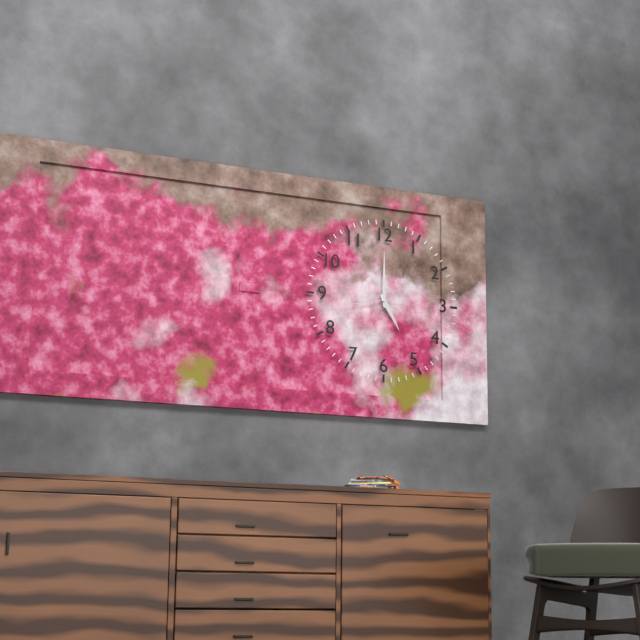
5:00:43
